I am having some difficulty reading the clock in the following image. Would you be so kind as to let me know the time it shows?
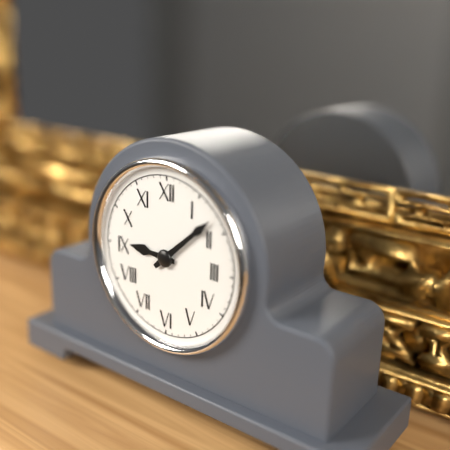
9:08
